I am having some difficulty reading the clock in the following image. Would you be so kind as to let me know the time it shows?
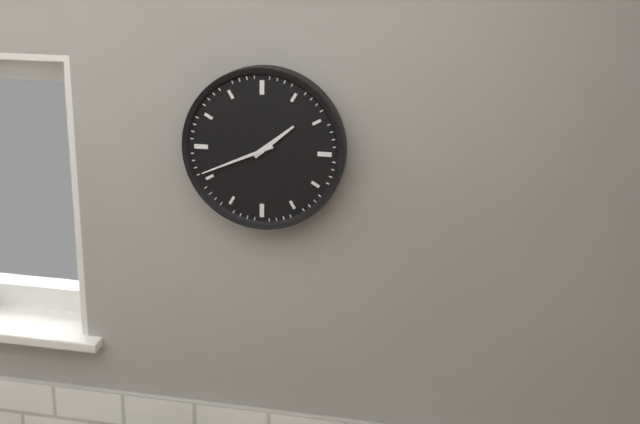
1:41
